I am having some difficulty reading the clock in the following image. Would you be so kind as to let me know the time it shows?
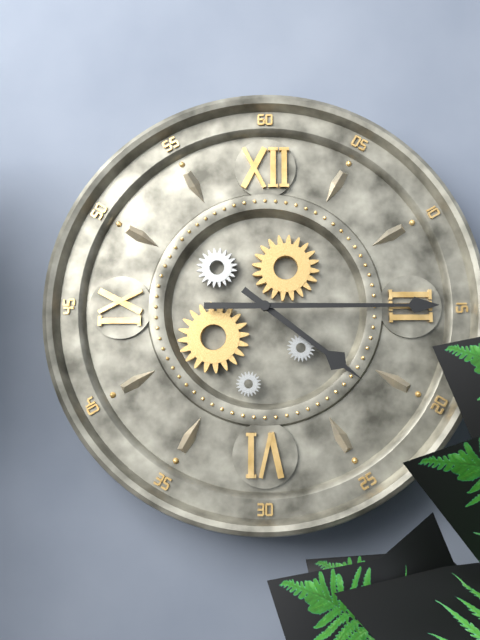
4:15
